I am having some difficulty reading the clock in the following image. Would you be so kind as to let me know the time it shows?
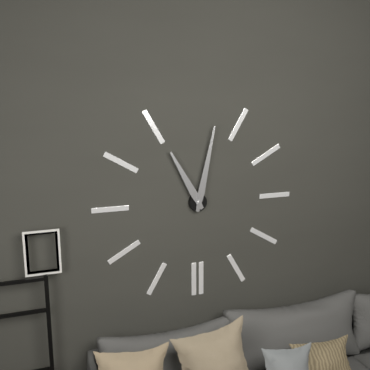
11:02
